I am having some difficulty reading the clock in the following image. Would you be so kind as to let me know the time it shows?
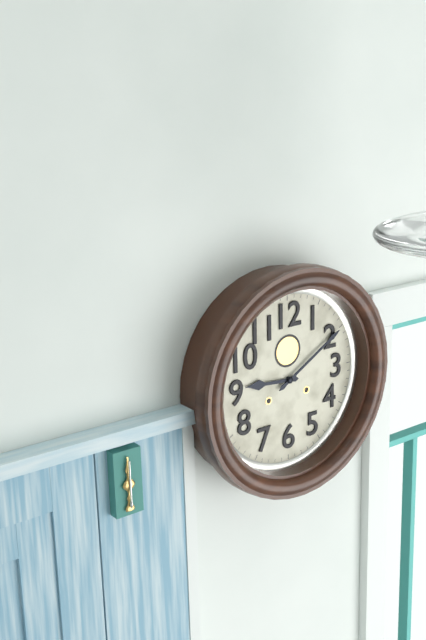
9:10
